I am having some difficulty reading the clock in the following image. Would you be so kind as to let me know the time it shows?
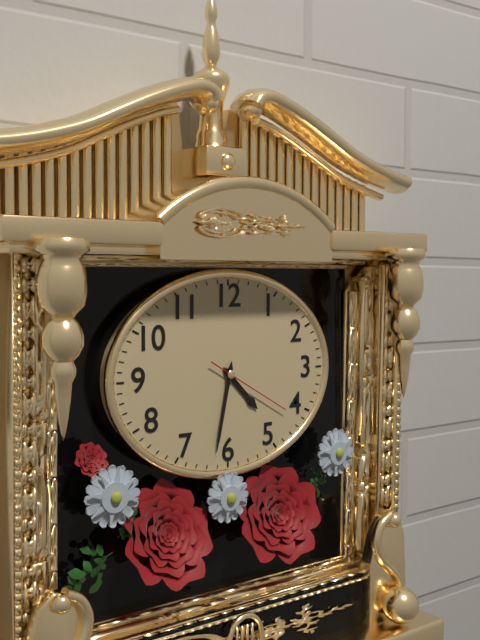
4:32:20
